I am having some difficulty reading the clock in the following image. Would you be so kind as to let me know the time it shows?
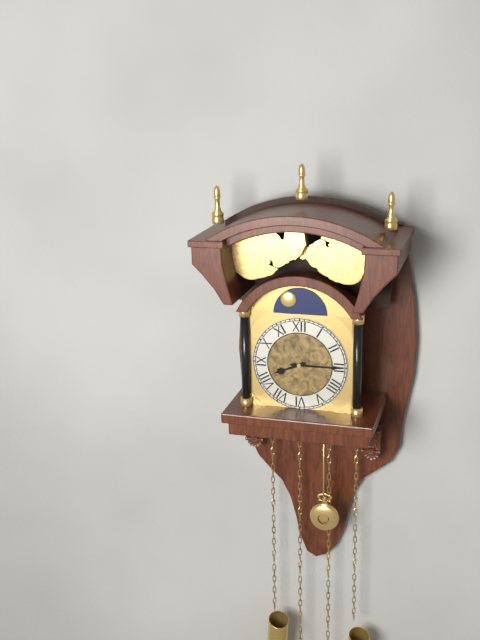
8:15
